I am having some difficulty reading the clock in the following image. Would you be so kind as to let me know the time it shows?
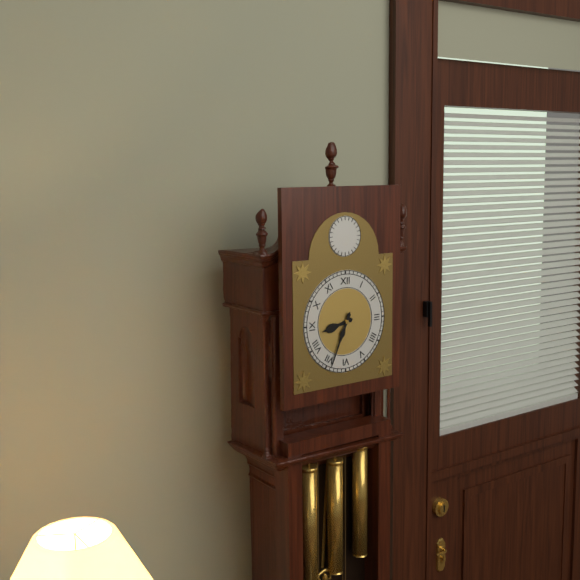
8:34
